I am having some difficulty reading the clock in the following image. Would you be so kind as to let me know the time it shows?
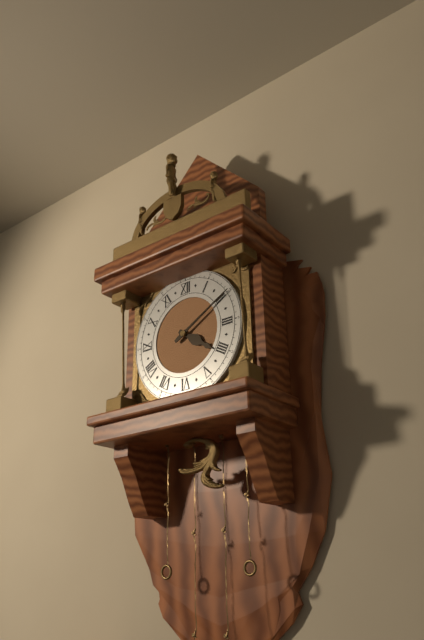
4:10
